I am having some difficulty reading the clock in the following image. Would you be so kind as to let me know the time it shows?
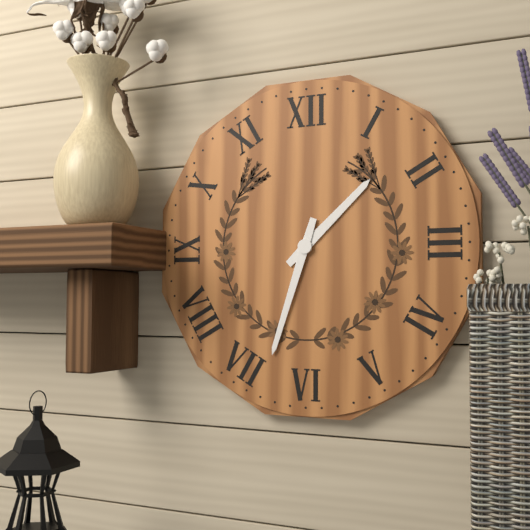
1:33
